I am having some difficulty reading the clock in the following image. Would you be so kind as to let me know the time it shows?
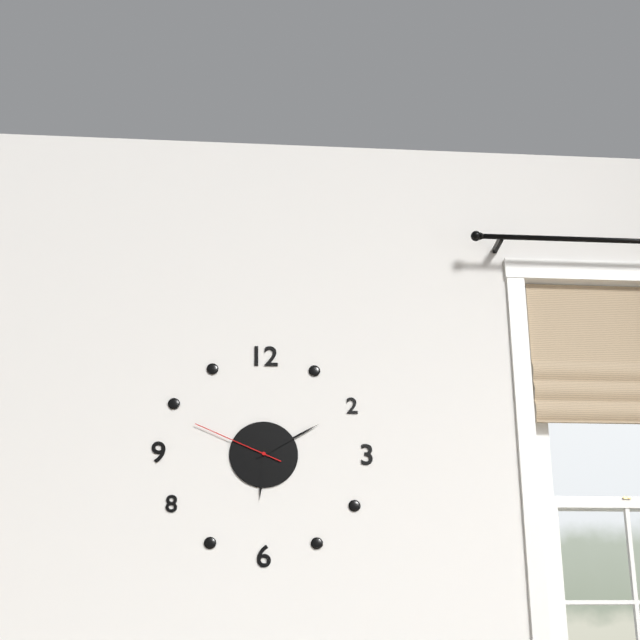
6:10:49
